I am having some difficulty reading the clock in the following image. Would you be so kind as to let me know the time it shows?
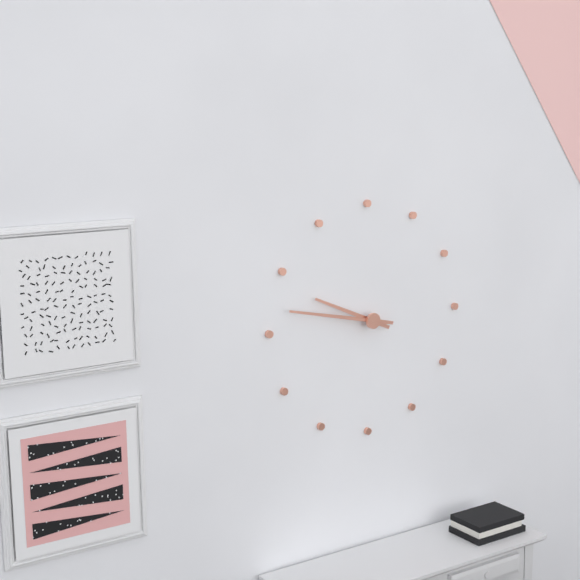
9:47
